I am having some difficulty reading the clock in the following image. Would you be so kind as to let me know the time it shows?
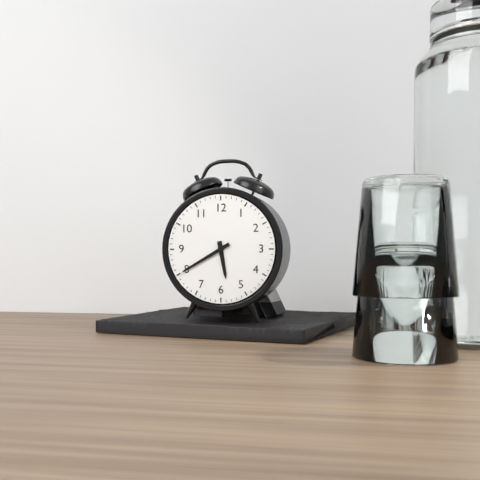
5:40
